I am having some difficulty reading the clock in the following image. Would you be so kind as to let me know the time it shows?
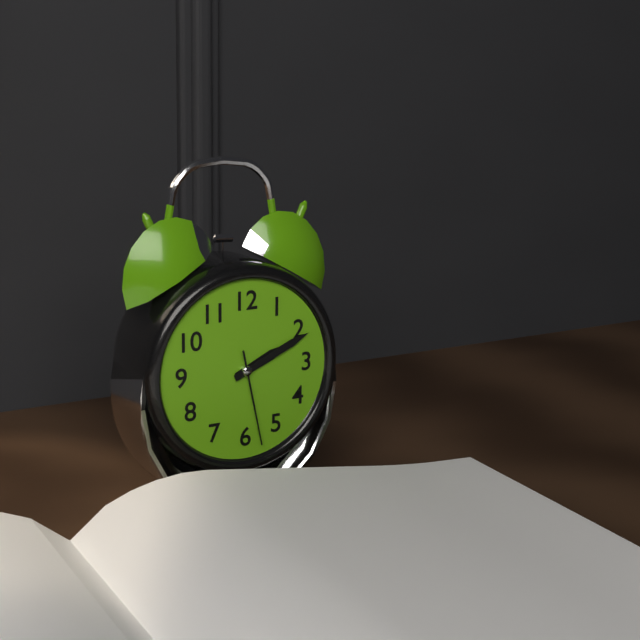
2:11:28
